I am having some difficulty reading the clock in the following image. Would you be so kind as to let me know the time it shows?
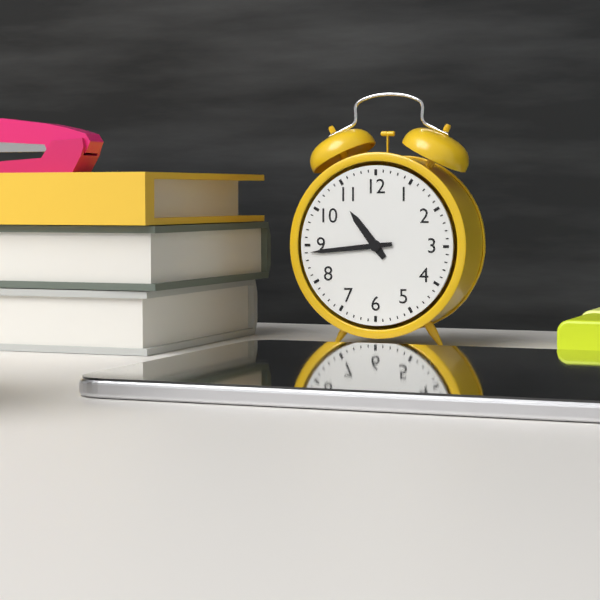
10:44
